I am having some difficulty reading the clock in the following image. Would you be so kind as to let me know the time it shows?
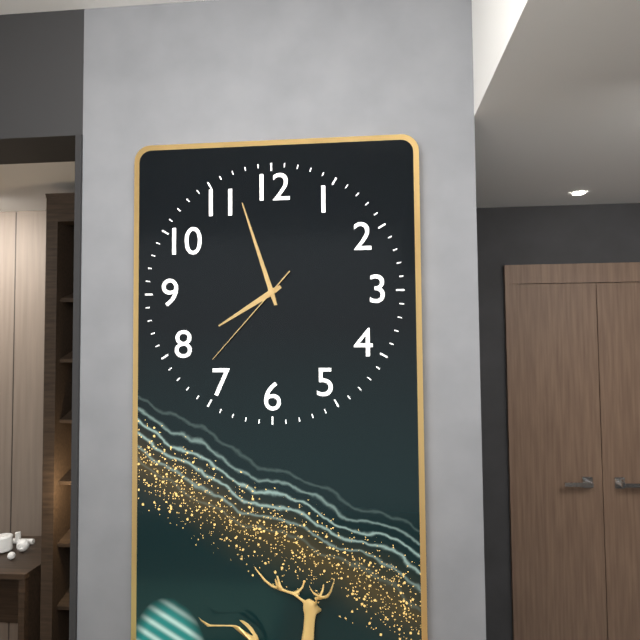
7:57:37
